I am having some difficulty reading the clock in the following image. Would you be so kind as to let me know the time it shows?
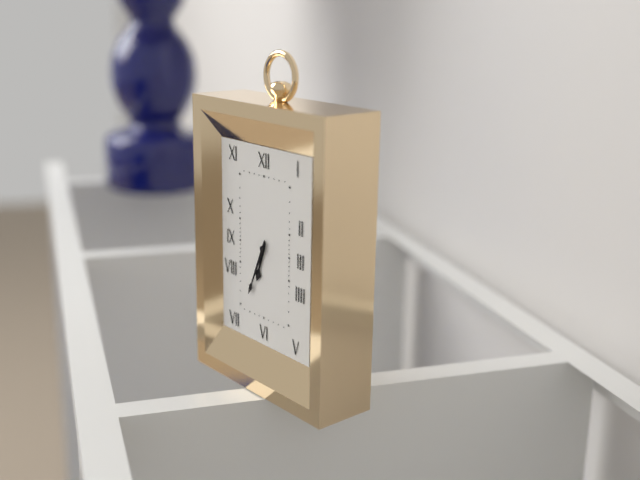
6:34
